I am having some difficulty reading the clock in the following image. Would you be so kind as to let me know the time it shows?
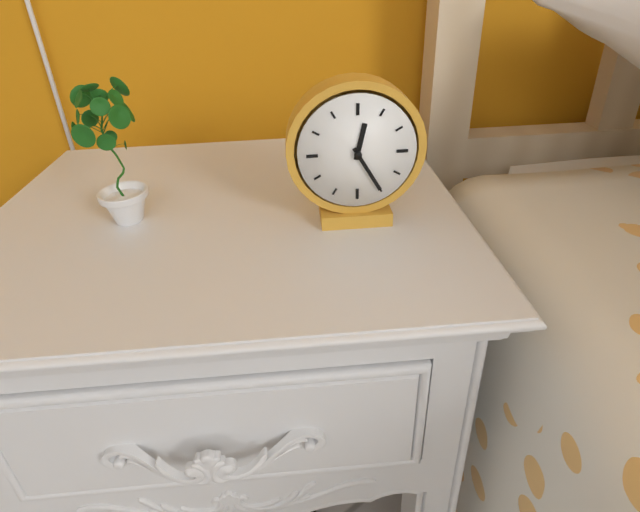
12:25
